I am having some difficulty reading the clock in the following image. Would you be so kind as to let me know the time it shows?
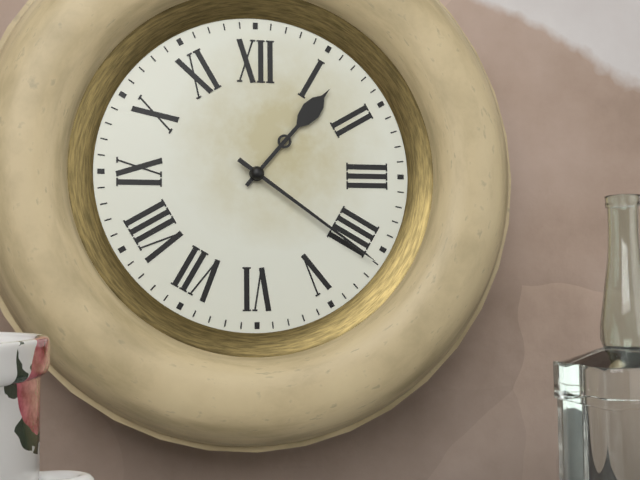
1:21
